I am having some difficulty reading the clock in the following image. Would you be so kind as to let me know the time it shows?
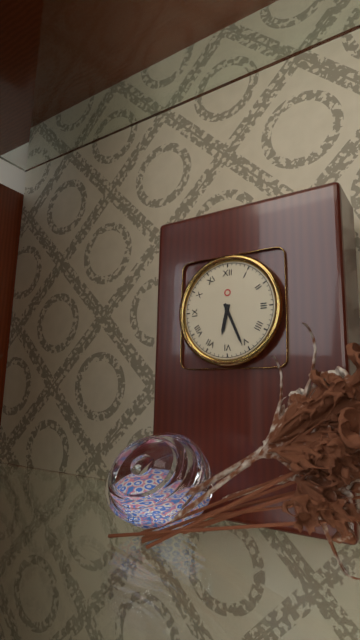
6:26
